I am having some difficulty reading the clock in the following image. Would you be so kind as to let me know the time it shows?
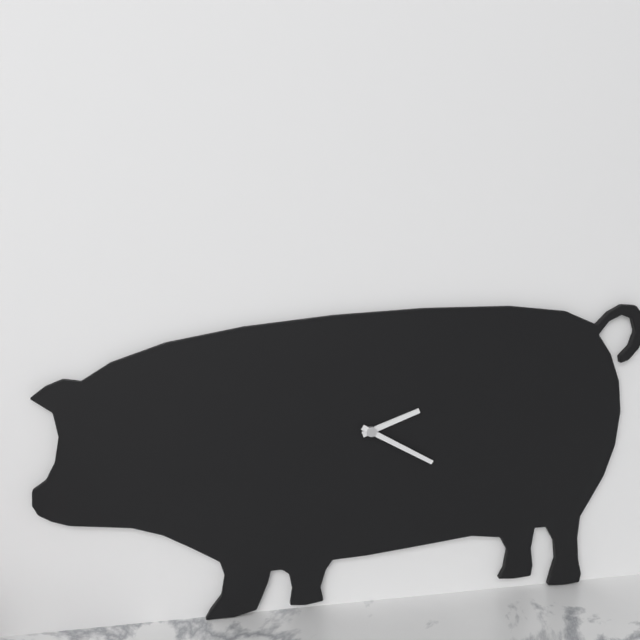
2:20
